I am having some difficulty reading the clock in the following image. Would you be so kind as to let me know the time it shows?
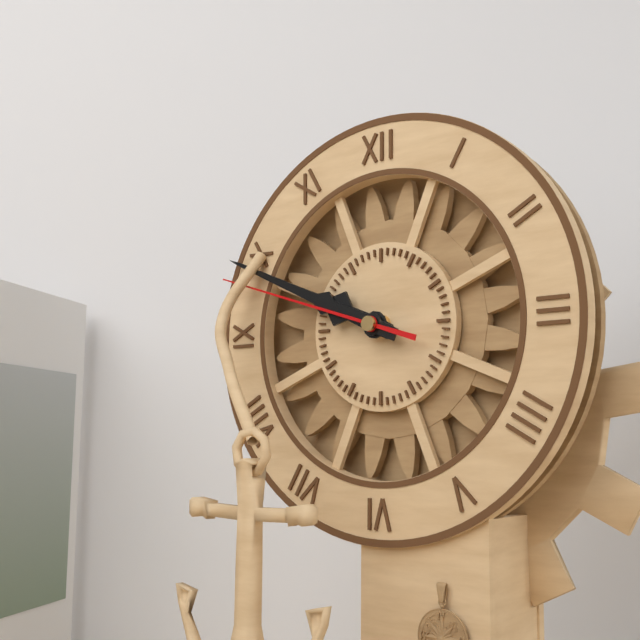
9:49:48
